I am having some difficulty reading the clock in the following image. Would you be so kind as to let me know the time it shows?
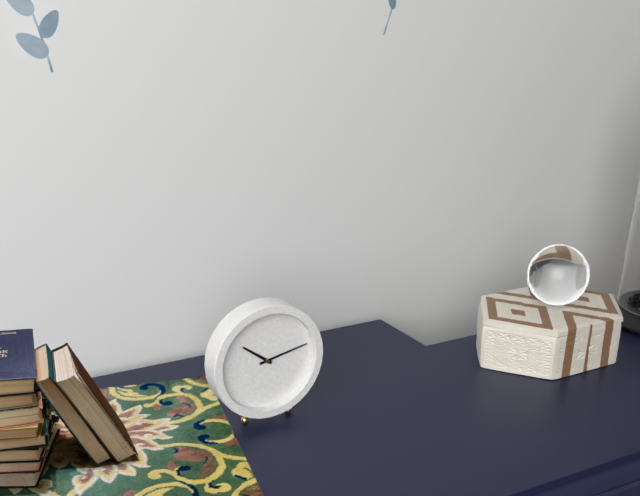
10:13
